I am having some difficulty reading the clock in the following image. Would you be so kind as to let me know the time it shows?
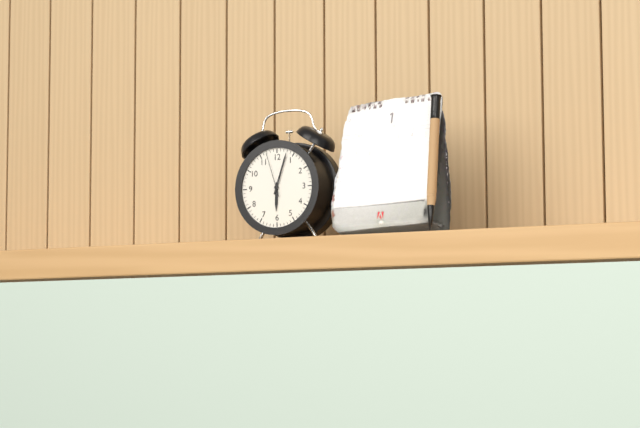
6:03
